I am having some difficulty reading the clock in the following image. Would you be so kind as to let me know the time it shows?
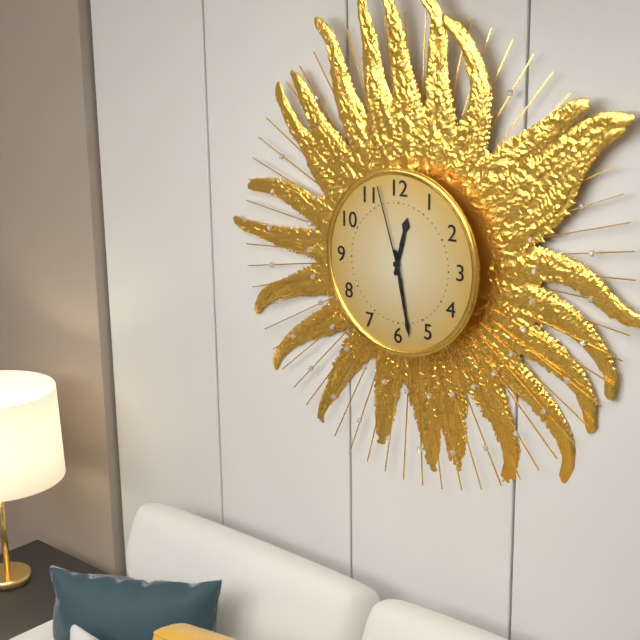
12:28:57
